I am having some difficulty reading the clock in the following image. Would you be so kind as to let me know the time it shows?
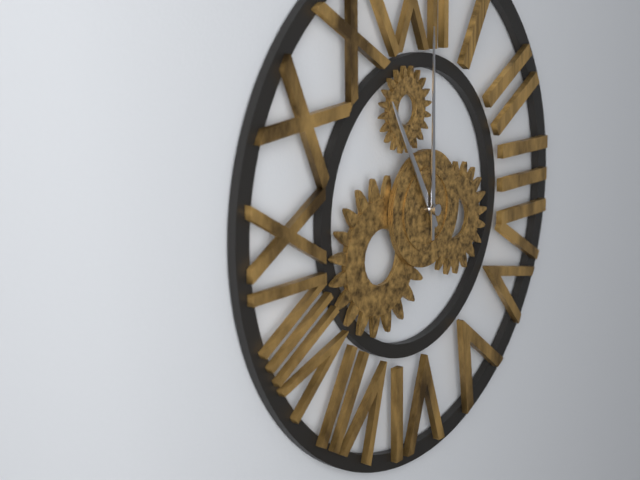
11:00
